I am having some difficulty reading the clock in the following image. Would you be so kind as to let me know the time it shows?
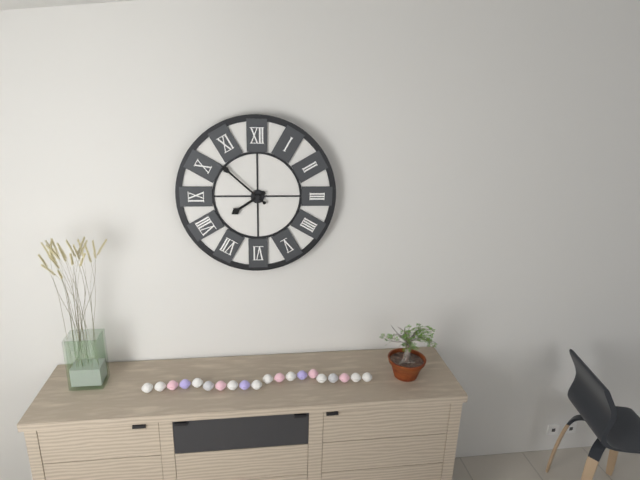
7:52
